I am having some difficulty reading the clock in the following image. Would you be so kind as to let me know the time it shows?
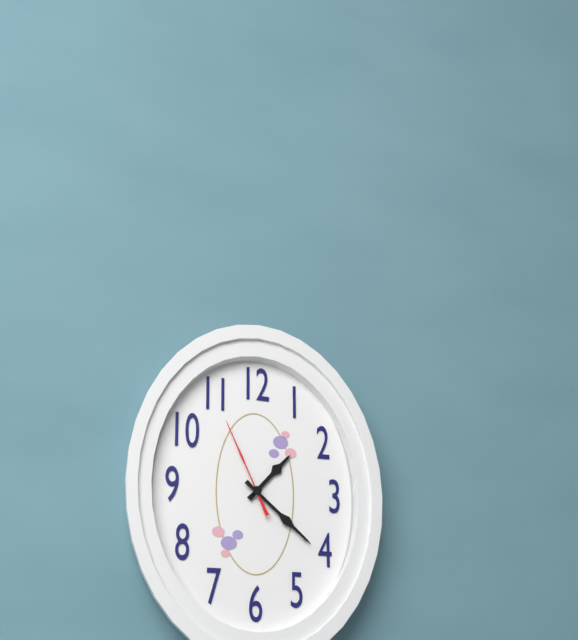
1:22:56
